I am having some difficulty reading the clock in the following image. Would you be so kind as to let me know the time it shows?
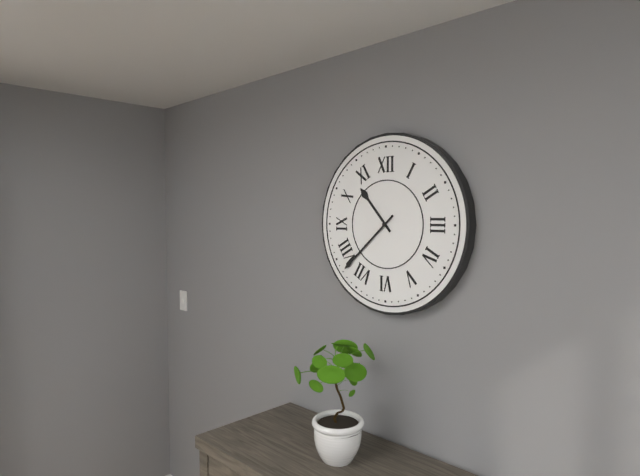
10:38
